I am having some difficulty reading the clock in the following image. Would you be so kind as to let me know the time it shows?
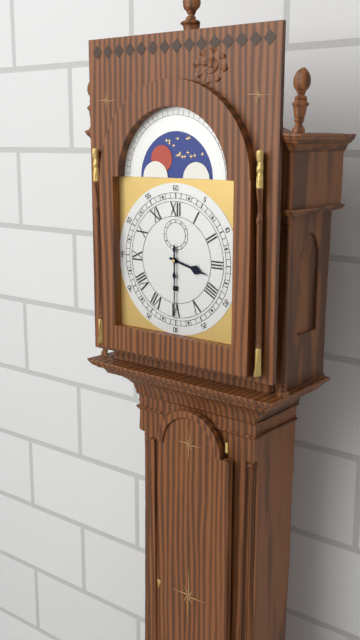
3:30
